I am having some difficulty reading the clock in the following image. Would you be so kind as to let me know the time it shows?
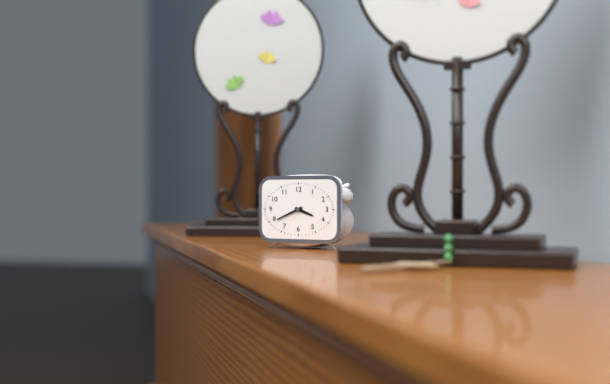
3:41
